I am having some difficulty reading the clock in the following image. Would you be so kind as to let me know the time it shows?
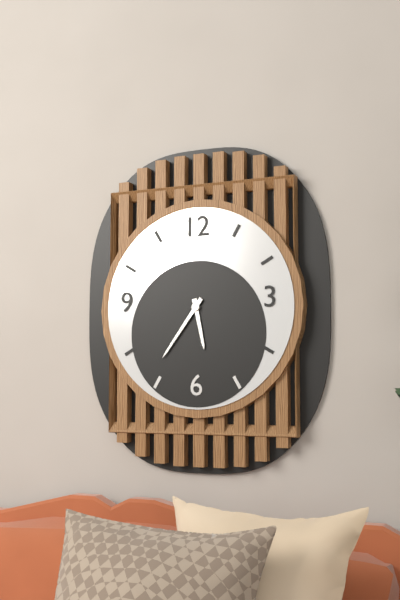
5:36
